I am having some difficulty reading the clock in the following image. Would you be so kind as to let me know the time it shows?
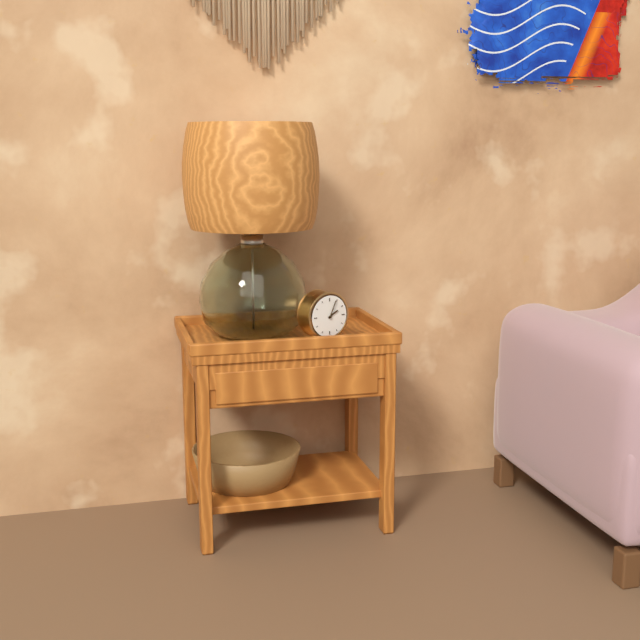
2:04
